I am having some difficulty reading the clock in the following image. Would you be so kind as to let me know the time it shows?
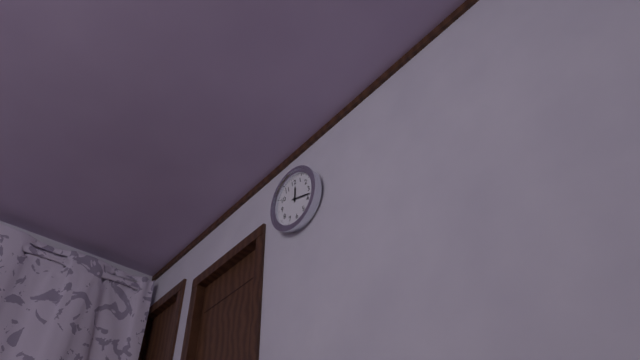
12:18
